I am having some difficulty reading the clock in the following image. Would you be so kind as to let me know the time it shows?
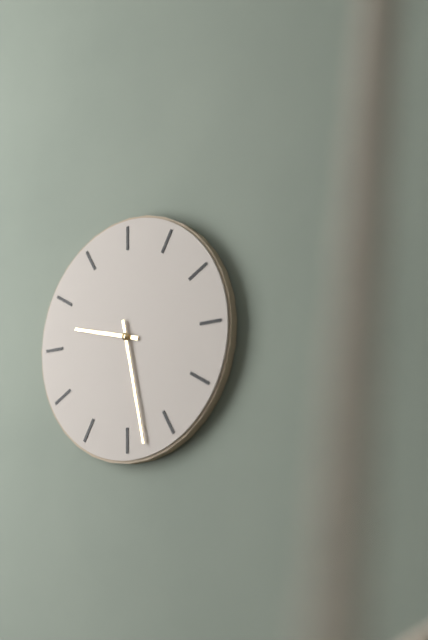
9:28
